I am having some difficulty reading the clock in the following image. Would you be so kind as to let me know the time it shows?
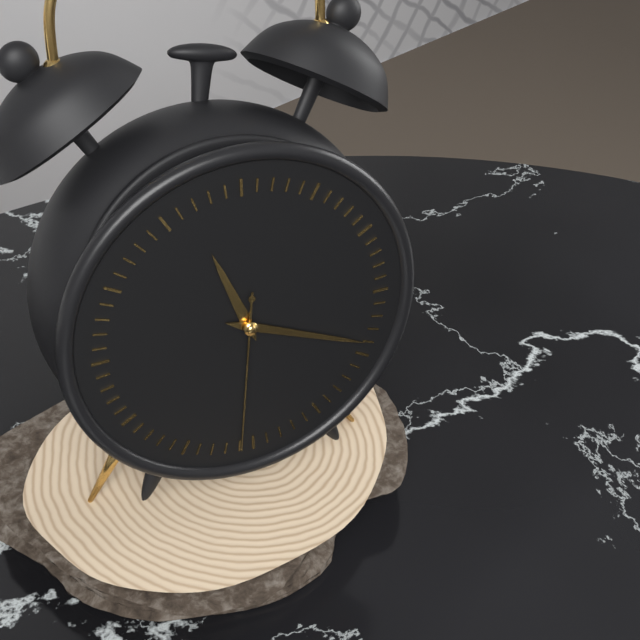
11:19:31
